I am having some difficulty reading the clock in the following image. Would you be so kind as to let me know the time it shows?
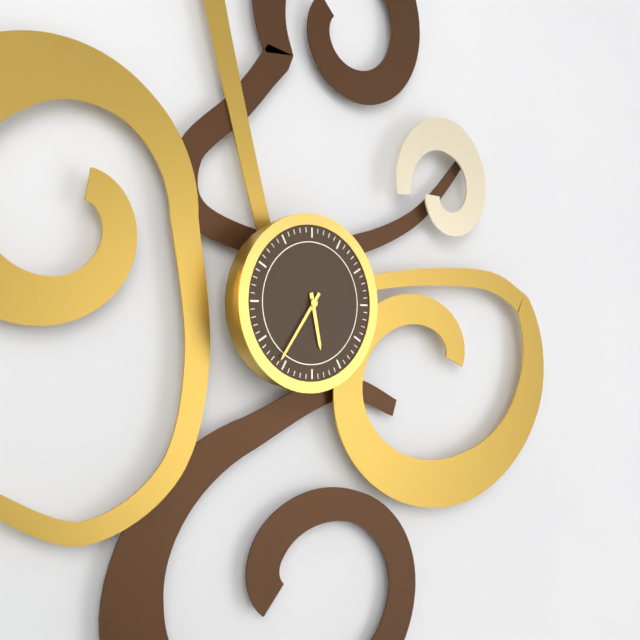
5:36
